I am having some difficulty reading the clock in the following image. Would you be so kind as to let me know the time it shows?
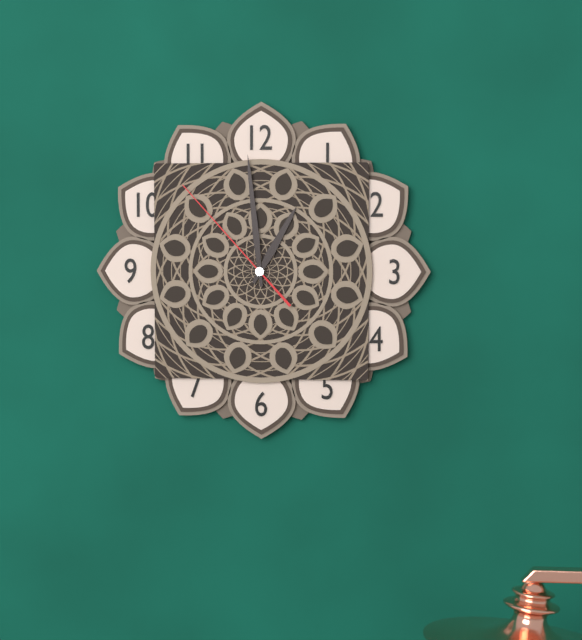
12:59:53
